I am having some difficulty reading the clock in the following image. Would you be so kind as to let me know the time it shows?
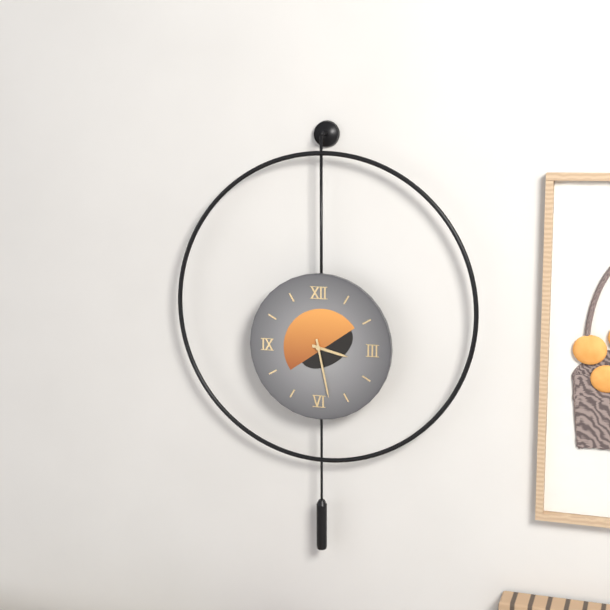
3:28
